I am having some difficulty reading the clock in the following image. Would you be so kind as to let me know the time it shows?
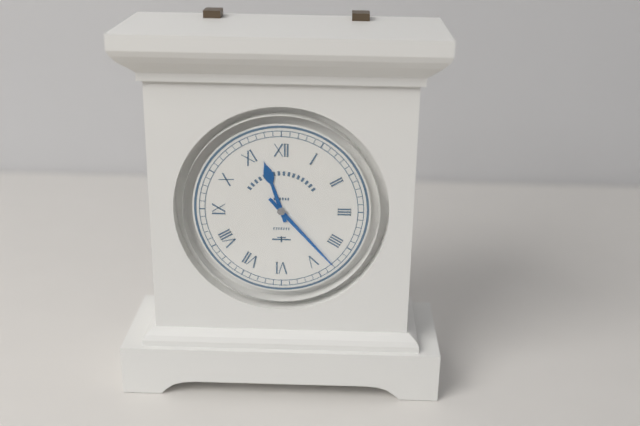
11:23
